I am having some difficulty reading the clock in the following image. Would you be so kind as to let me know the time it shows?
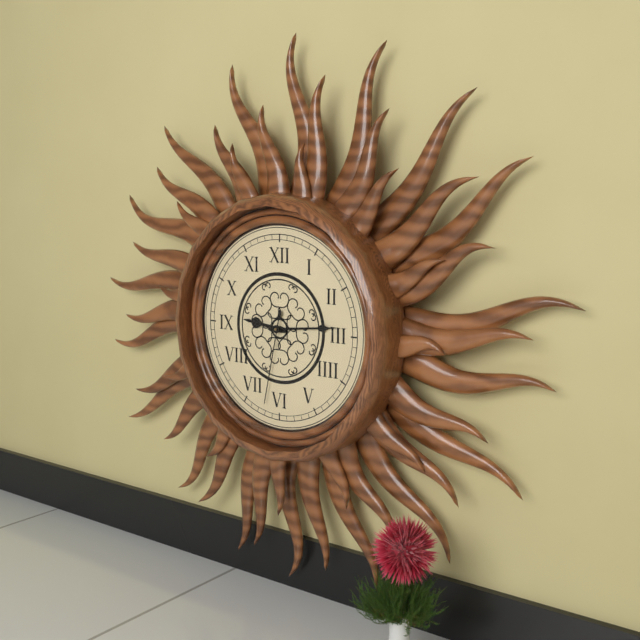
9:14:32
